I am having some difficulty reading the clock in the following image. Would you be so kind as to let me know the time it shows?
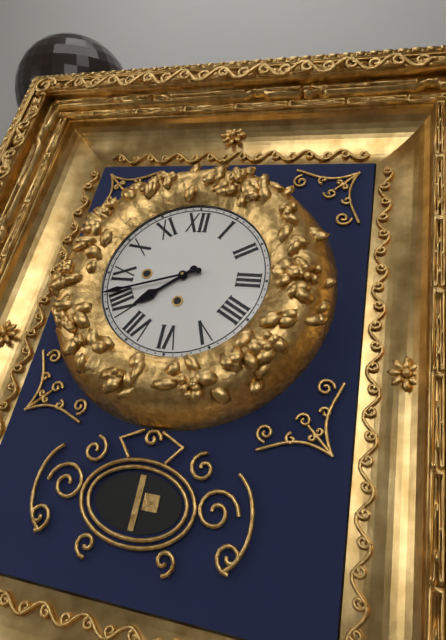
7:42
